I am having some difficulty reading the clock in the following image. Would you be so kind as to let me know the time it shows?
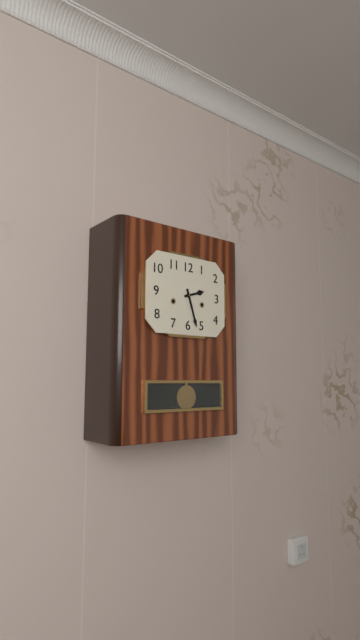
2:27
